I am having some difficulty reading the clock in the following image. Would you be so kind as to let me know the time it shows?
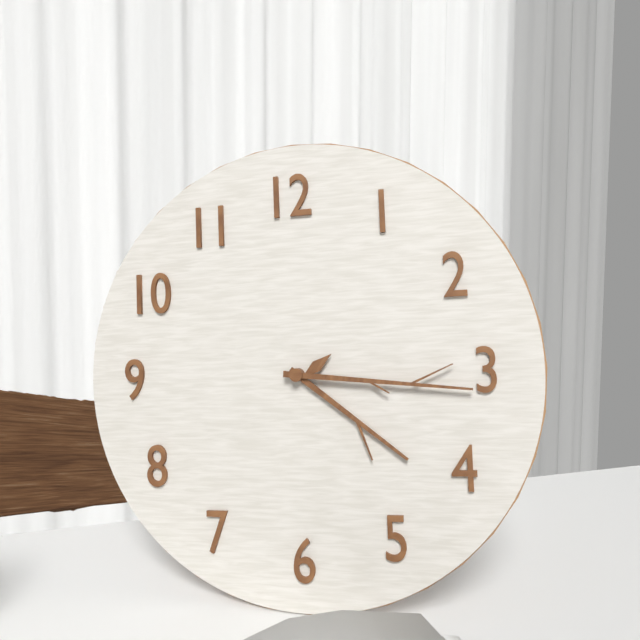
4:16
